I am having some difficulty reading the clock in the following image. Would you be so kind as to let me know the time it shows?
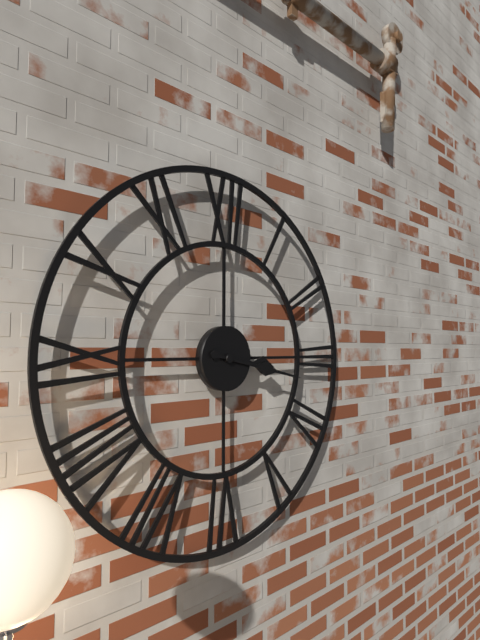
3:17
